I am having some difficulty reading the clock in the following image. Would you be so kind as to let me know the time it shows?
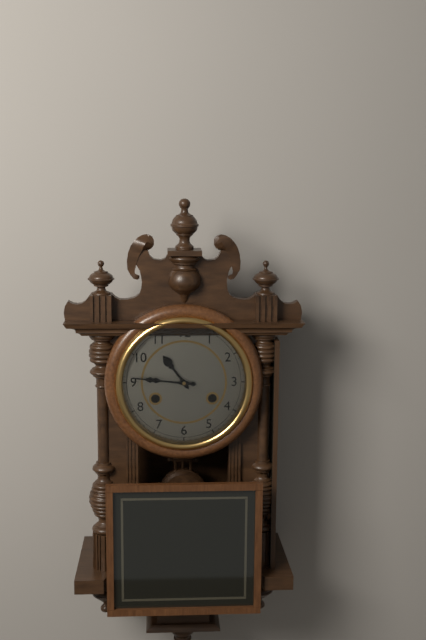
10:46
